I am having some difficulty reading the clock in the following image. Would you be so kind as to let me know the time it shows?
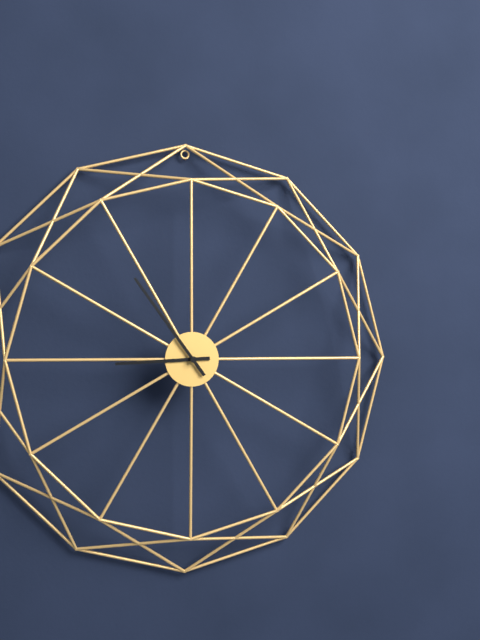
8:54
